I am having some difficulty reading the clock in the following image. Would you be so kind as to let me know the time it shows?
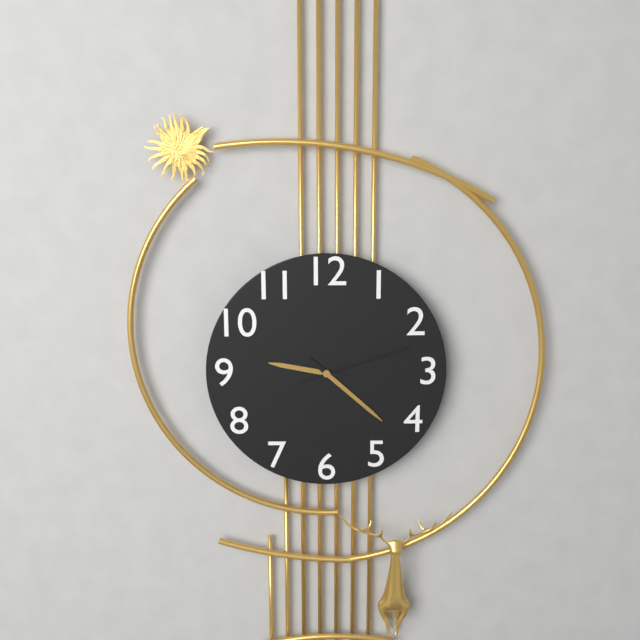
9:22:12
